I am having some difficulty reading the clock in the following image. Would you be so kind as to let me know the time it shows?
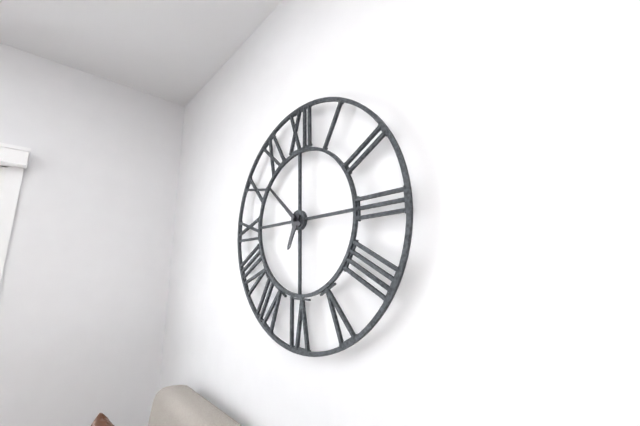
6:52
